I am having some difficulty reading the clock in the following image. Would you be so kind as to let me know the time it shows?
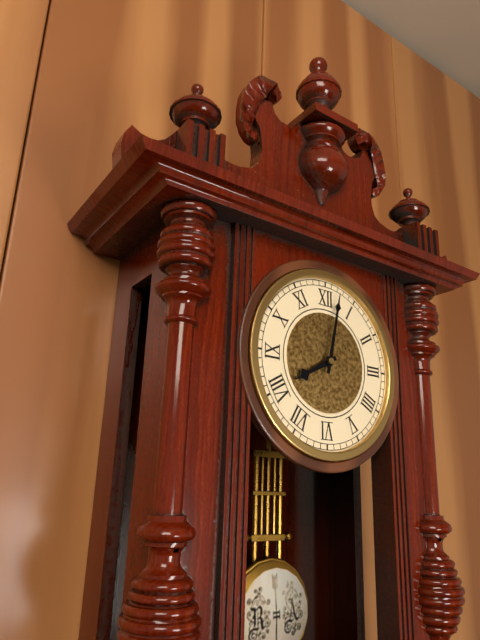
8:02
